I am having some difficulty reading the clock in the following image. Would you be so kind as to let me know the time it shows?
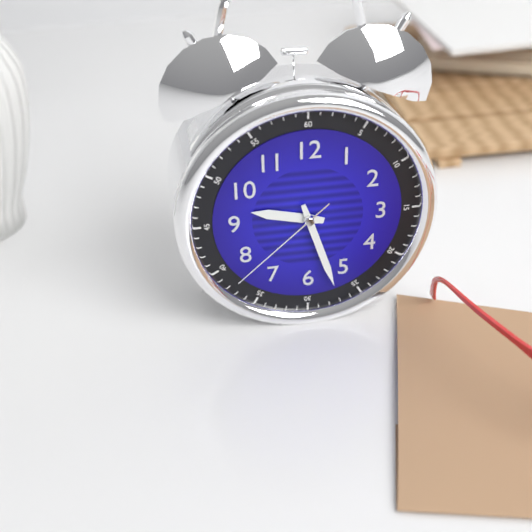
9:27:38
